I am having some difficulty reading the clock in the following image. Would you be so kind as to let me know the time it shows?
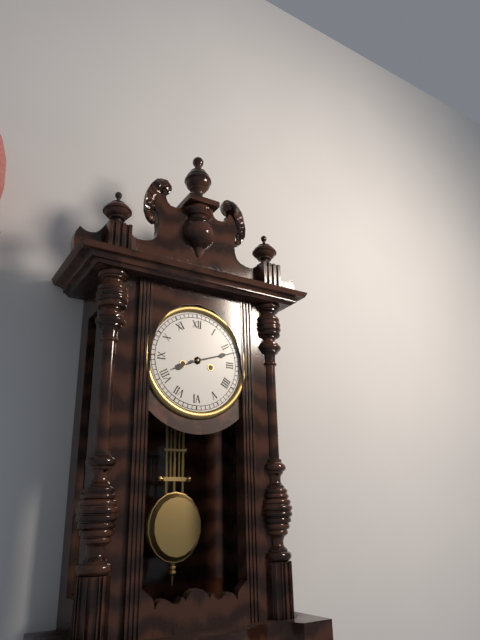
8:12
